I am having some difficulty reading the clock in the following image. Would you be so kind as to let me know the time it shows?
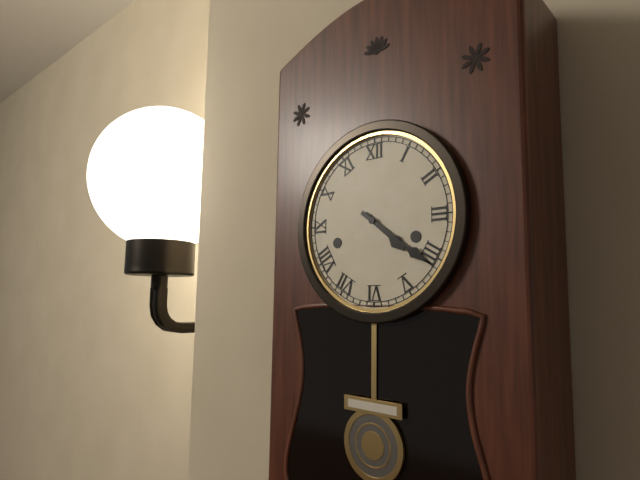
4:21
